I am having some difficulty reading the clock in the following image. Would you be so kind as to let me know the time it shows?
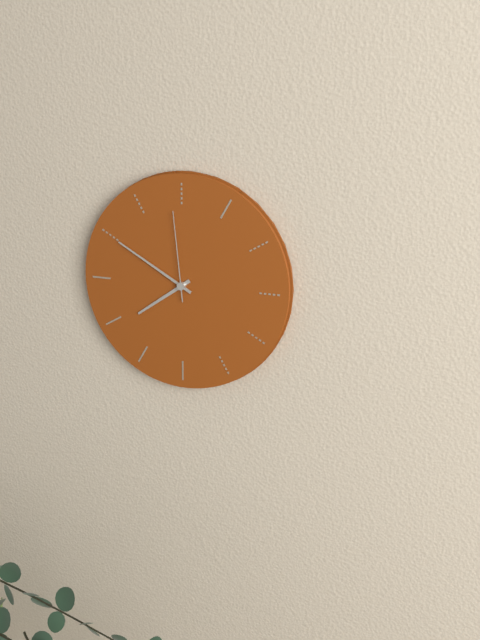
7:50:59
